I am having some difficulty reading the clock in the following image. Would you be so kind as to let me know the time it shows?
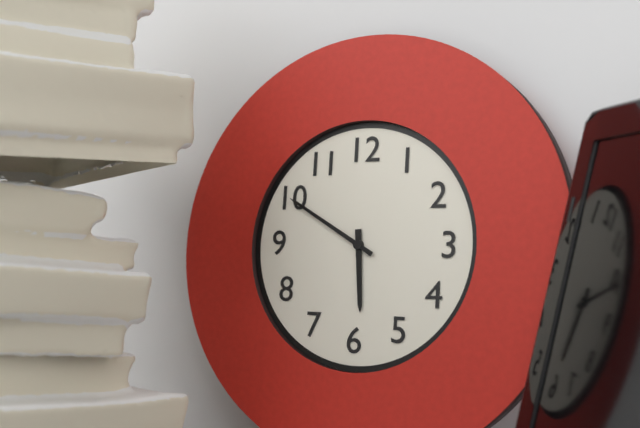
5:50
